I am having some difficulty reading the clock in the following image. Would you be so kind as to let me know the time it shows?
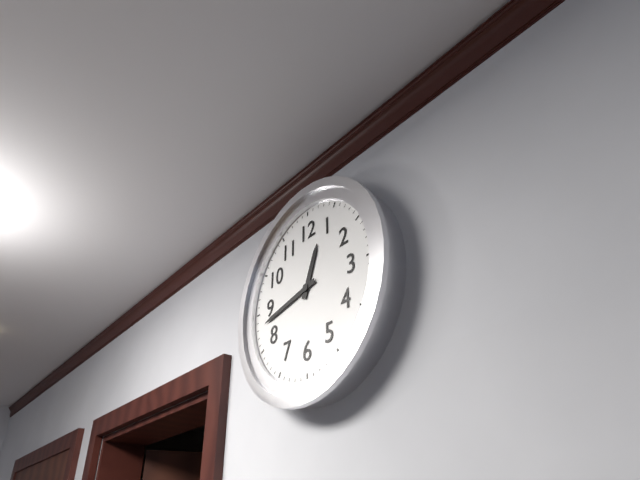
12:43
